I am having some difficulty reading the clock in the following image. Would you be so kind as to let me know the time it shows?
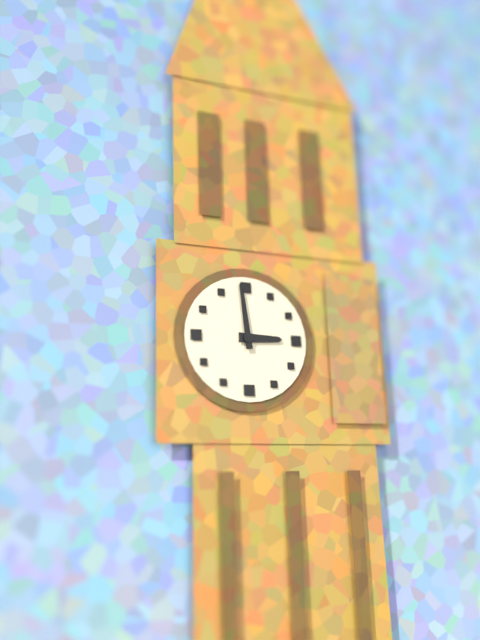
2:59
